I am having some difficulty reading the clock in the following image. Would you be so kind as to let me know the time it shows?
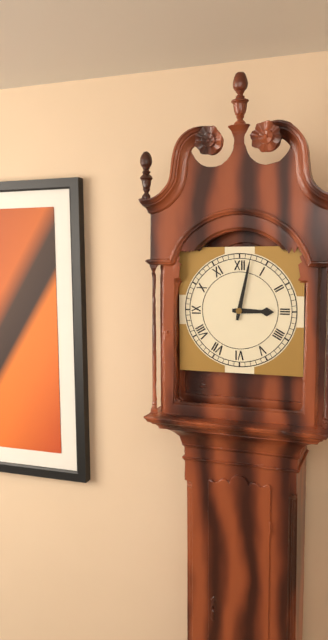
3:02
